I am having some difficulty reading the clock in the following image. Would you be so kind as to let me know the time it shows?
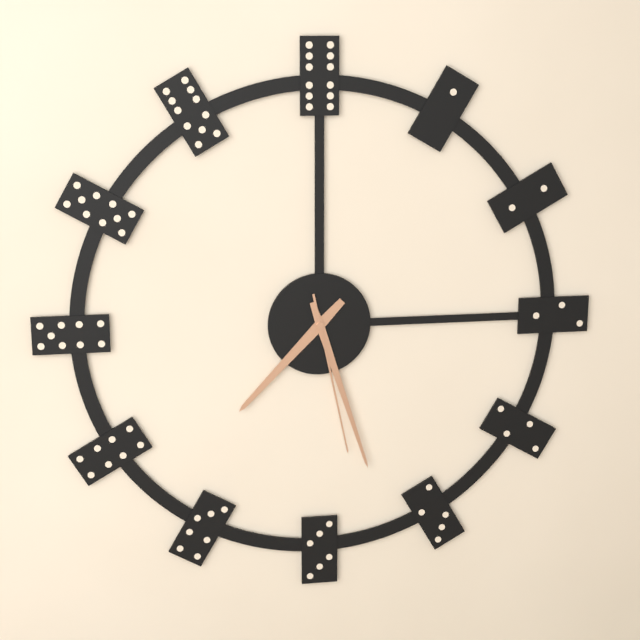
7:27:28
